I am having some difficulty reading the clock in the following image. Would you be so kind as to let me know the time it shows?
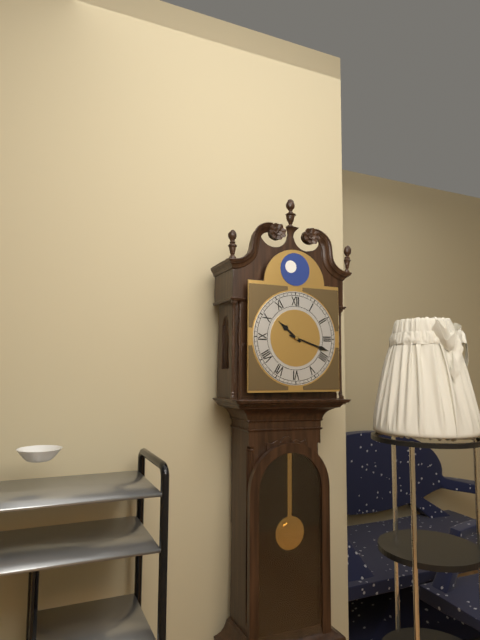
10:18
